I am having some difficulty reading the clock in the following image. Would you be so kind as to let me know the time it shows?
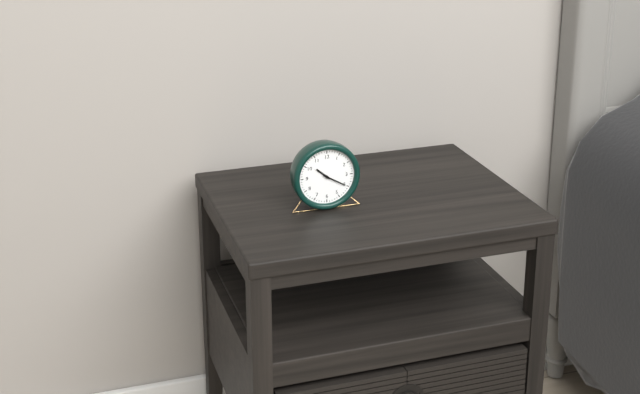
10:20
